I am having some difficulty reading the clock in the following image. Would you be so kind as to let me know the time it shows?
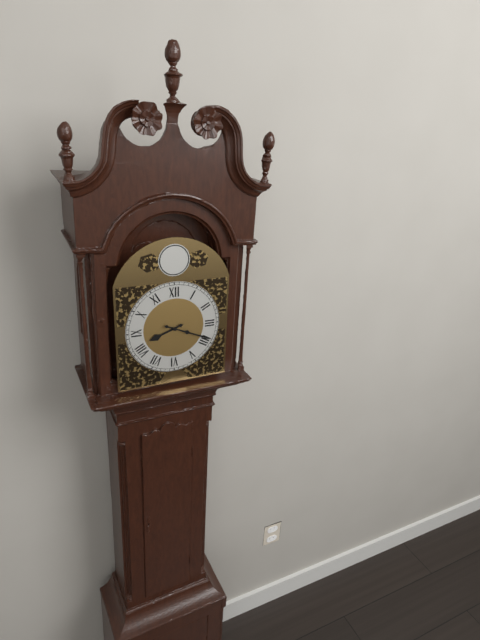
8:19
